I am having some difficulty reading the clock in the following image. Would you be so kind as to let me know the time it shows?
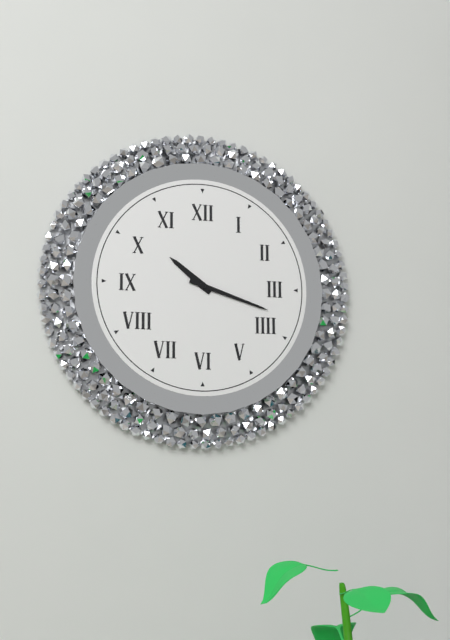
10:18
